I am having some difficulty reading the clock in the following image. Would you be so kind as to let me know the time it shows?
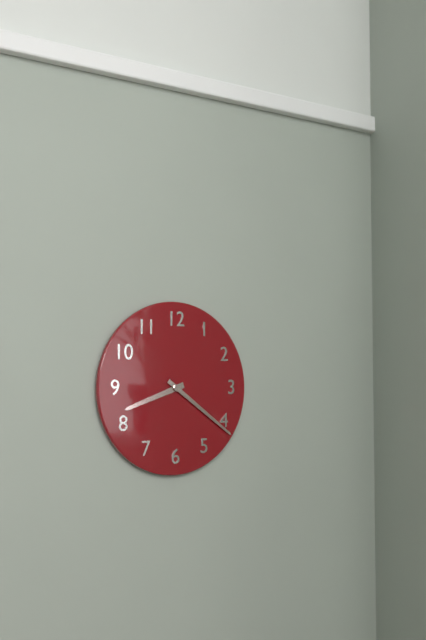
8:21
